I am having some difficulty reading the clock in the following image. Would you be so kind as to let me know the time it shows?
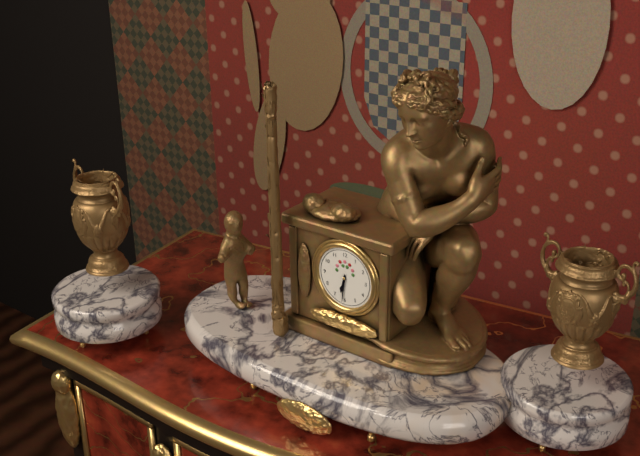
6:31
